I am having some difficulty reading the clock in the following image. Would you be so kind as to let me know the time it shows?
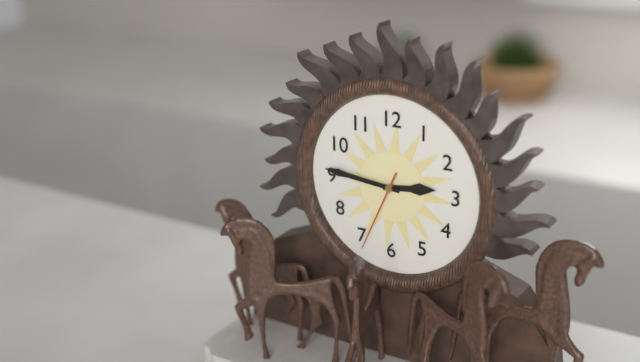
2:46:34
